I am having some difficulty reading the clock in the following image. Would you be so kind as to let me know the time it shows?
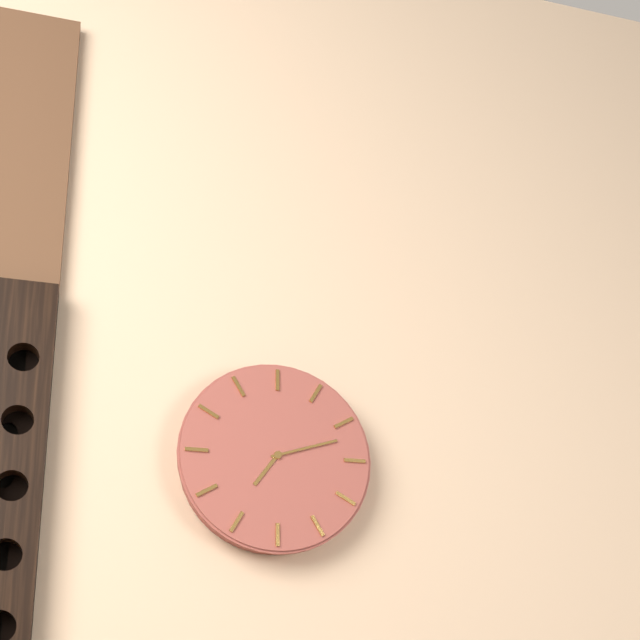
7:12
